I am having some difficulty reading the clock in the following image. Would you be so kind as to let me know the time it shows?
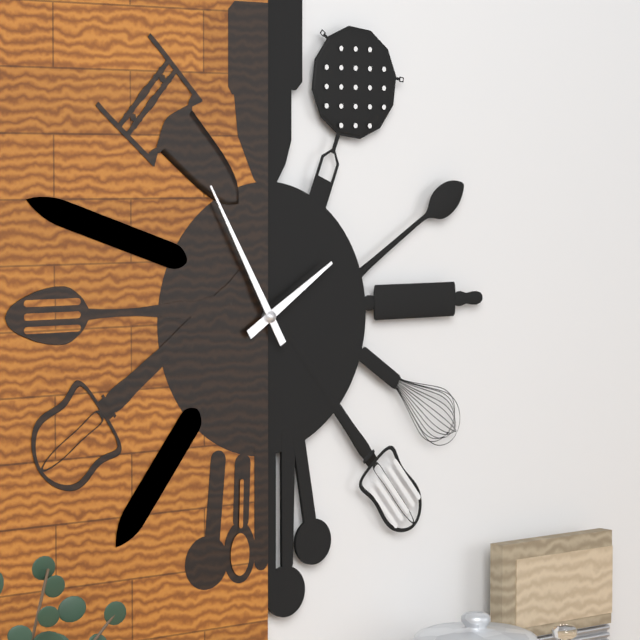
1:55
